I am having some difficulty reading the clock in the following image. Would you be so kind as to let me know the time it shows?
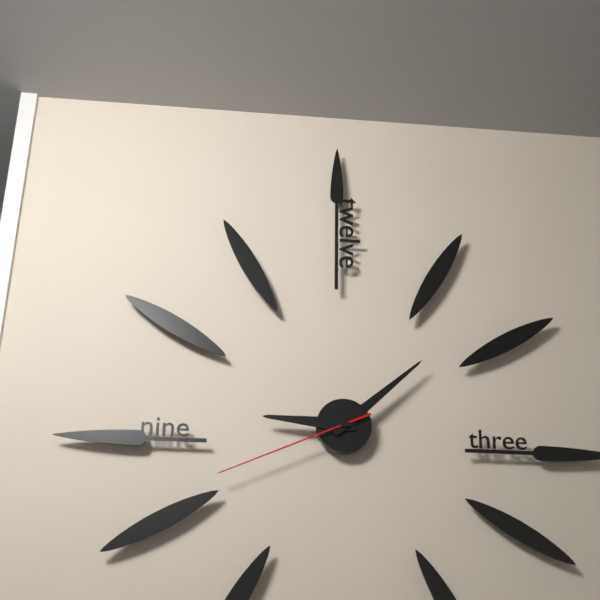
9:08:41
